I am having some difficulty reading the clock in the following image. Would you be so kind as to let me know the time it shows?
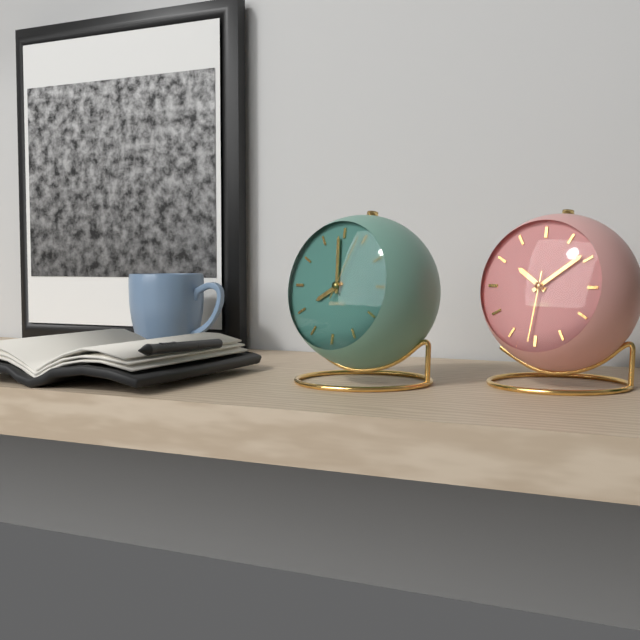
7:59:04
